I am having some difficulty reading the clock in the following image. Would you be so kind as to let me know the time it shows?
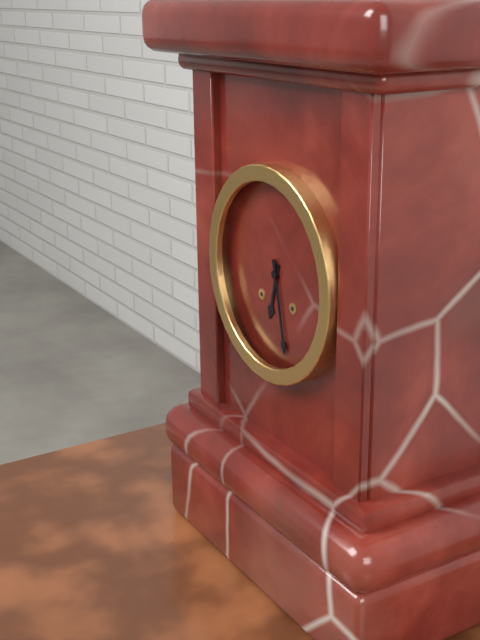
6:28
